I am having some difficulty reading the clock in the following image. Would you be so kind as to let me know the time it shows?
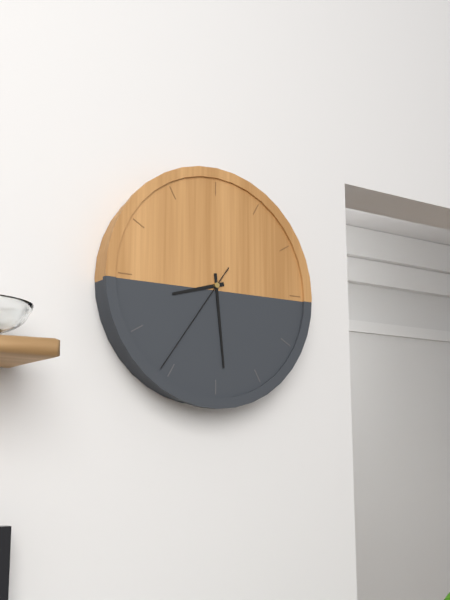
8:29:36
